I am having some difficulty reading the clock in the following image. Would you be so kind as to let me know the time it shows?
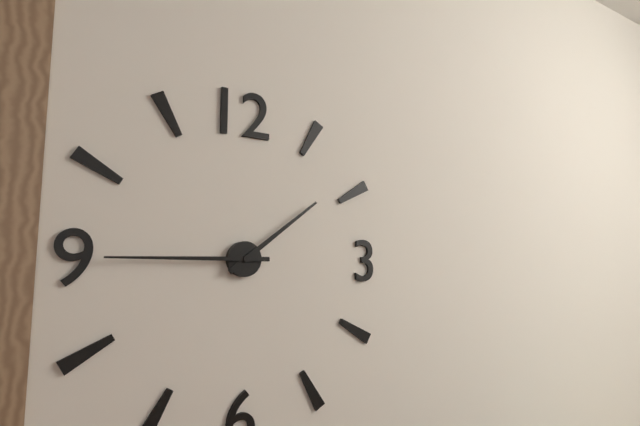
1:45
